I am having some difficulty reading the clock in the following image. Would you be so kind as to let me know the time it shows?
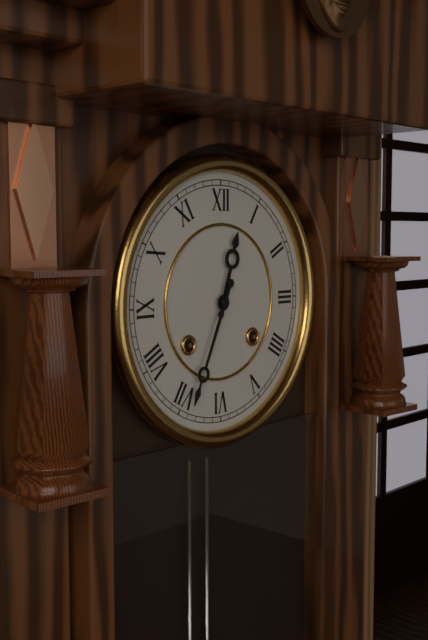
12:34
